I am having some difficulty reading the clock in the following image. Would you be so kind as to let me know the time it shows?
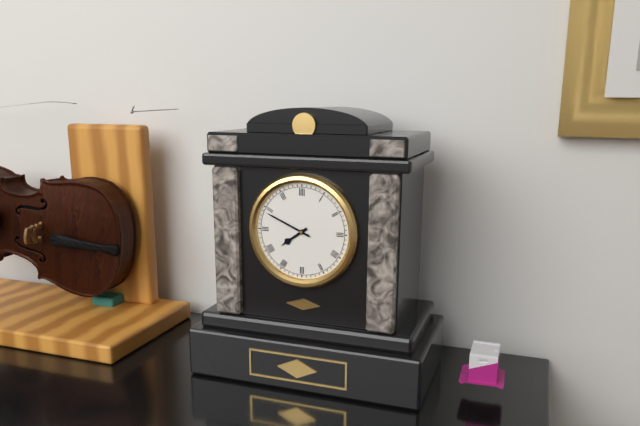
7:49
